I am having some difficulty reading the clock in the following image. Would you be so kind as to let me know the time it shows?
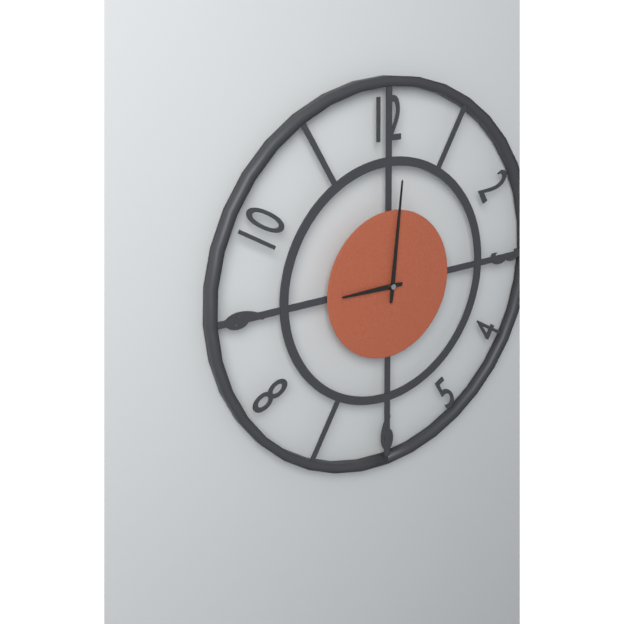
9:01
